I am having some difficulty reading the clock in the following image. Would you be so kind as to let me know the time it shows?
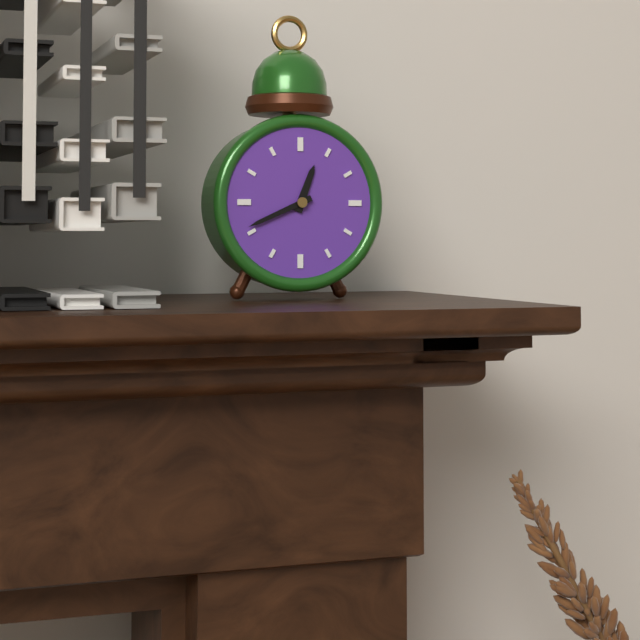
12:41
